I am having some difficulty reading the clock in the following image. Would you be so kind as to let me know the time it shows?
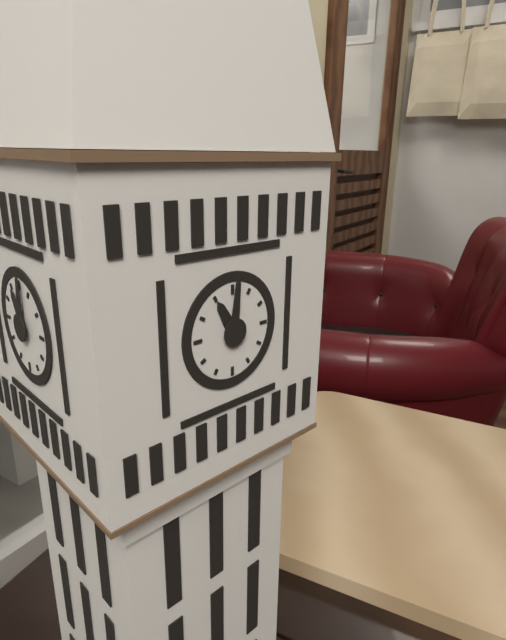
11:01
